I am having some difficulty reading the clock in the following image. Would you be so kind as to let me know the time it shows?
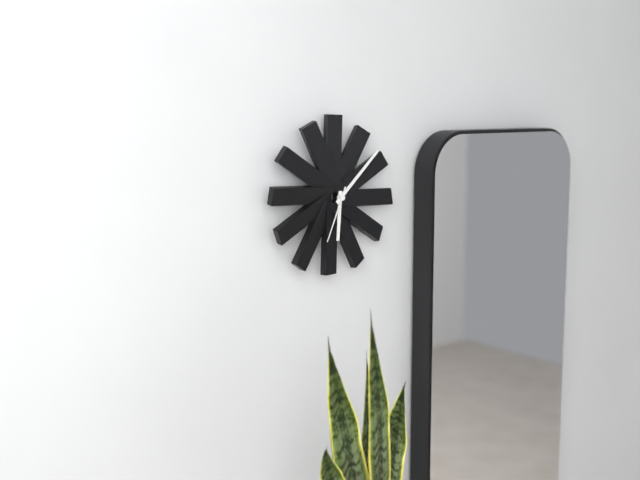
6:08:34
